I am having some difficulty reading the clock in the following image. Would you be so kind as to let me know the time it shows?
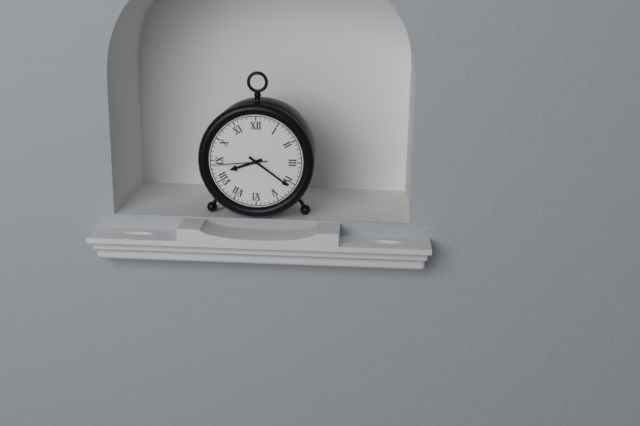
8:21:44
